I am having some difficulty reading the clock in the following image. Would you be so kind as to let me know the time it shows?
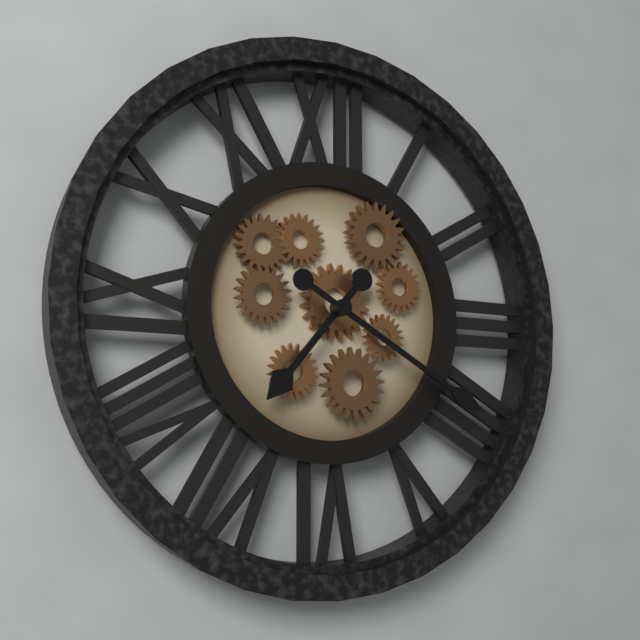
7:20
